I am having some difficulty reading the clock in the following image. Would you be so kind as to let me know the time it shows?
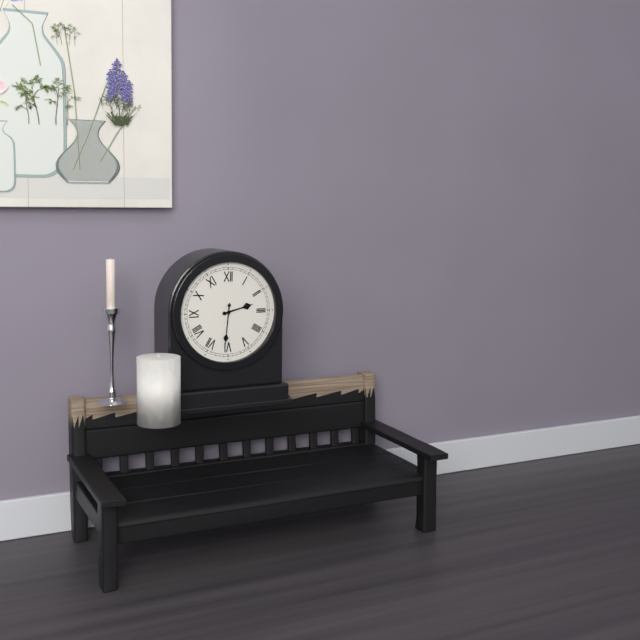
2:31
